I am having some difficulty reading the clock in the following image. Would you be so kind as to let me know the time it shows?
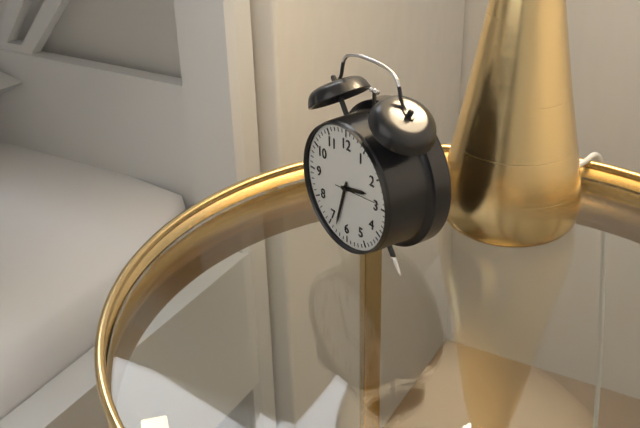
2:33
